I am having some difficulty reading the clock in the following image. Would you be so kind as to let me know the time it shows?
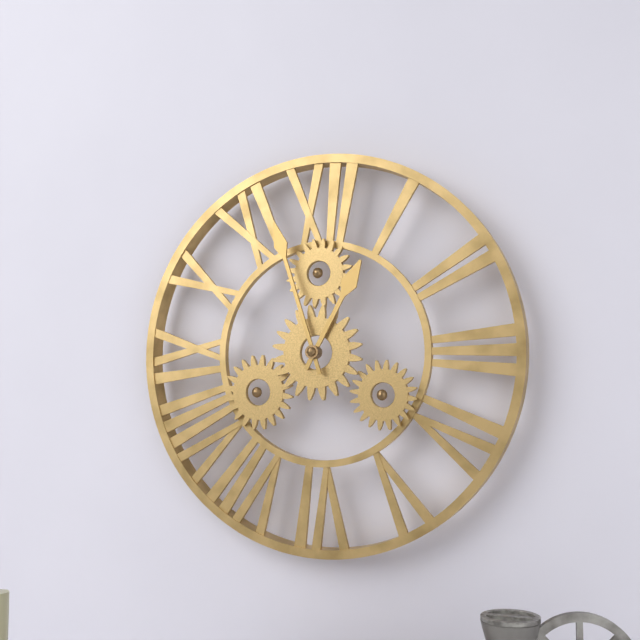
12:57
